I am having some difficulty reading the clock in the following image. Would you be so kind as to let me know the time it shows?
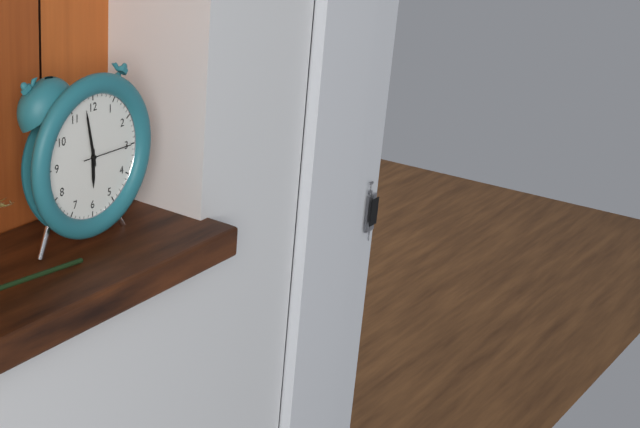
5:58:15
